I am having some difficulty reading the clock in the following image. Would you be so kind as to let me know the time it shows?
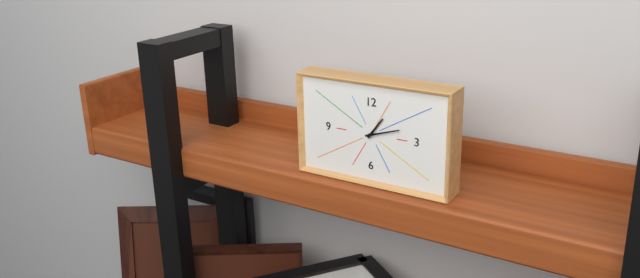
1:12
